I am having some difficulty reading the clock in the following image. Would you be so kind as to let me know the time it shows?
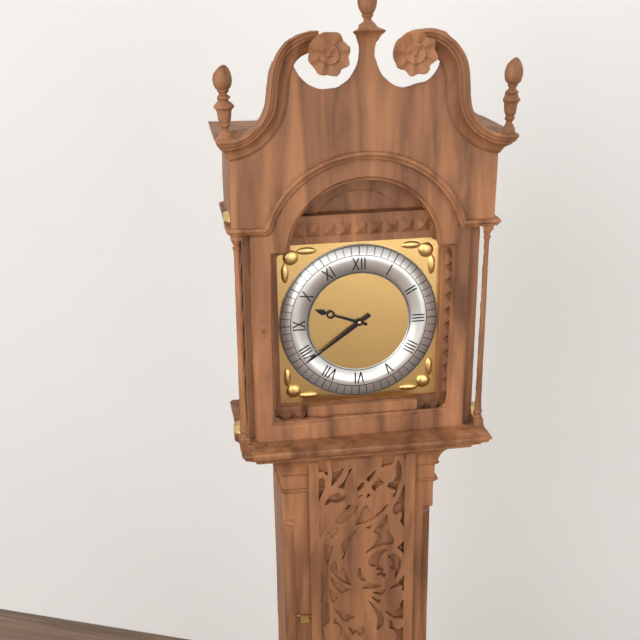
9:39
